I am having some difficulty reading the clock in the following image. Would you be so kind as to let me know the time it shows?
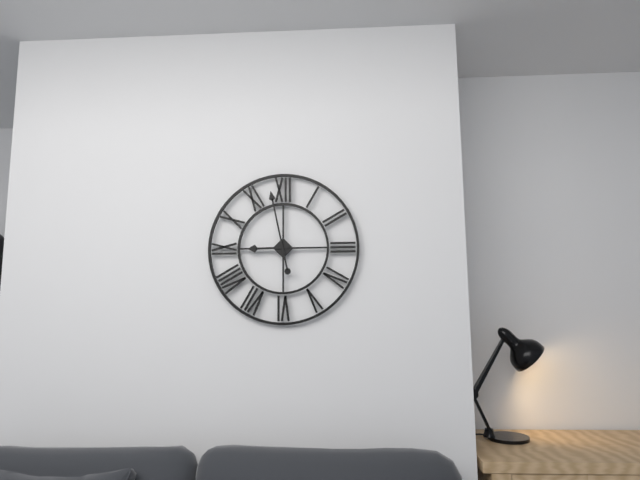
8:58
